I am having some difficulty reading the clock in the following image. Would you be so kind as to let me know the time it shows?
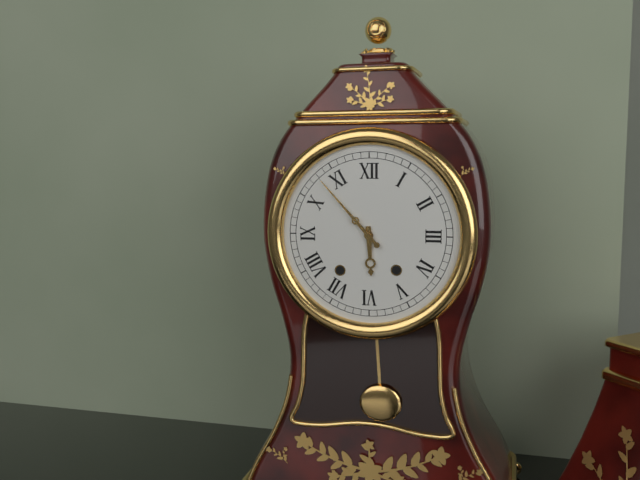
5:53
